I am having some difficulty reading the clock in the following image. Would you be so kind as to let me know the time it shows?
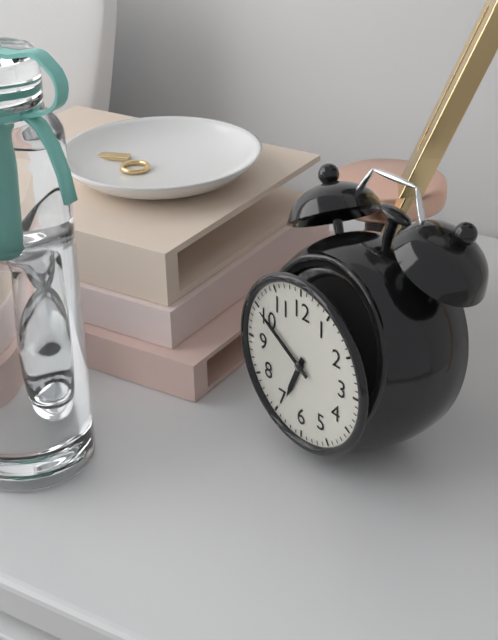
6:50
